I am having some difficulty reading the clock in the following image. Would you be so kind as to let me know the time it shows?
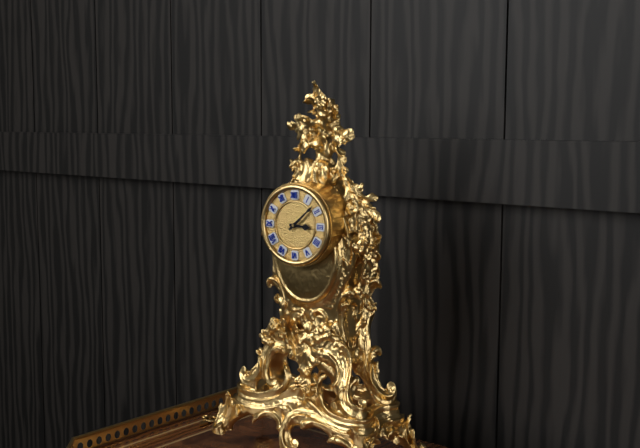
3:08
